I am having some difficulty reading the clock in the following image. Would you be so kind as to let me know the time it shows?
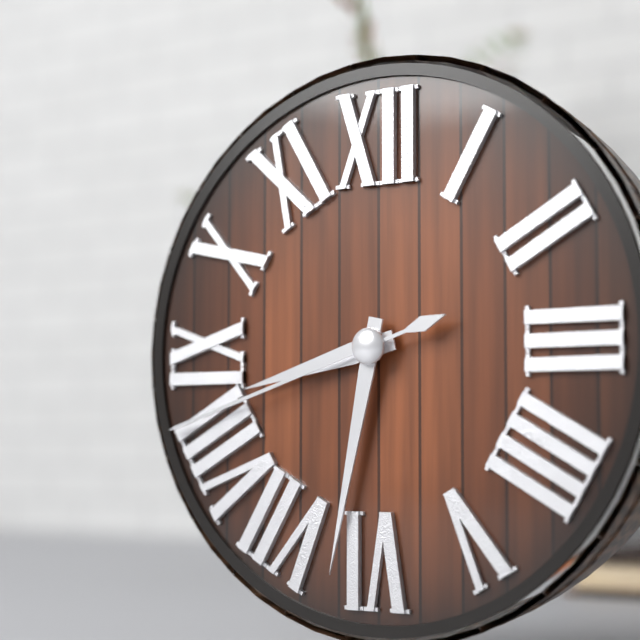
8:32:42
